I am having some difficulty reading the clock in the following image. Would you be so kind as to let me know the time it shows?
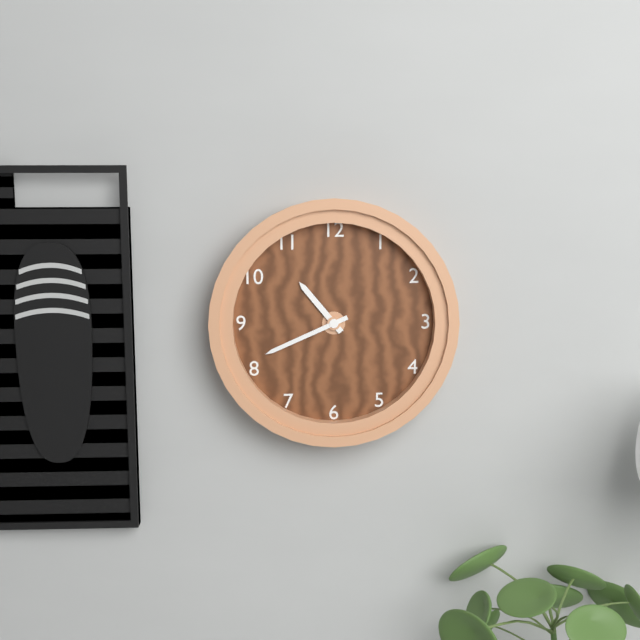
10:41
